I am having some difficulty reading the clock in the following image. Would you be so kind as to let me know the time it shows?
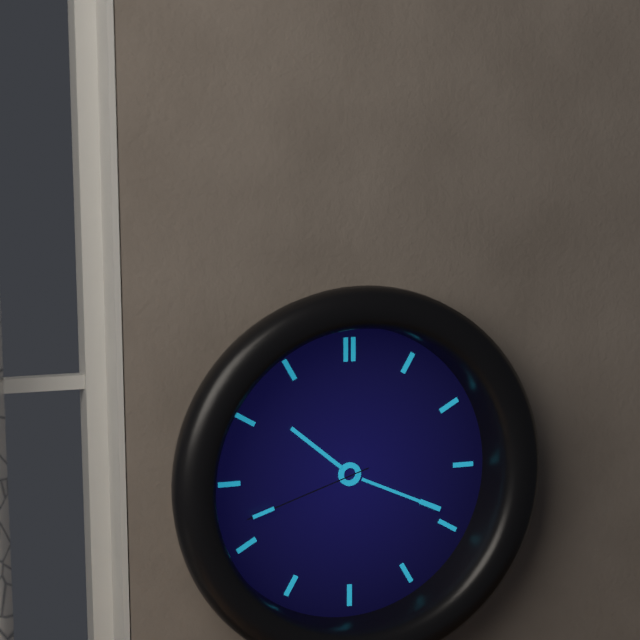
10:19:42
